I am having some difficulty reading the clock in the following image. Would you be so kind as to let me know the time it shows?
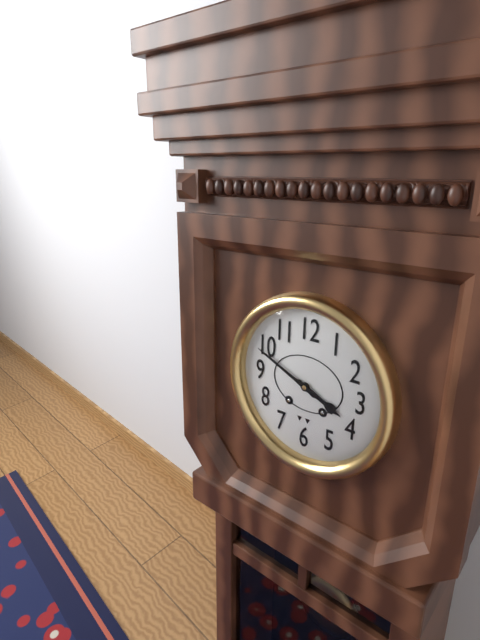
3:49
